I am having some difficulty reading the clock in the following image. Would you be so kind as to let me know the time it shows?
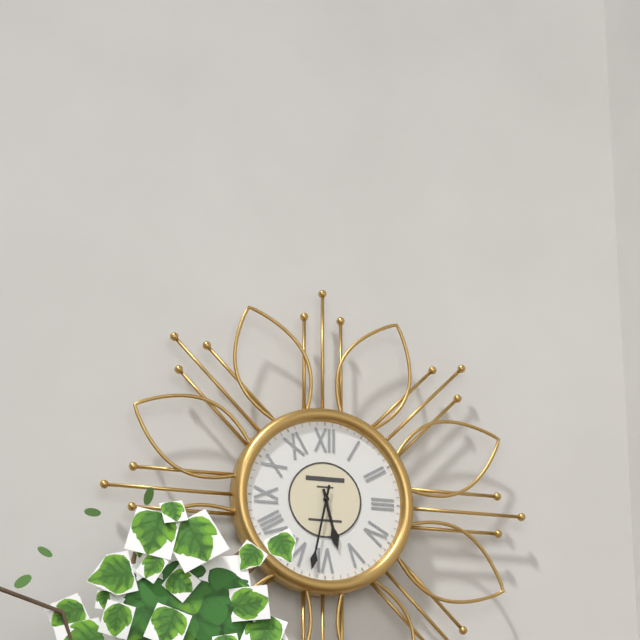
5:32
